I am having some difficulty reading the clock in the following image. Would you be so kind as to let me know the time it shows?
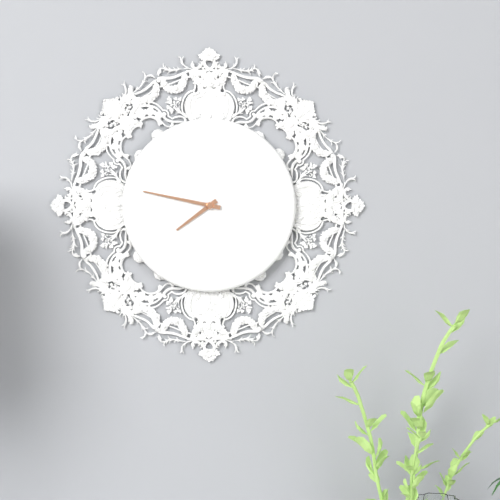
7:47
